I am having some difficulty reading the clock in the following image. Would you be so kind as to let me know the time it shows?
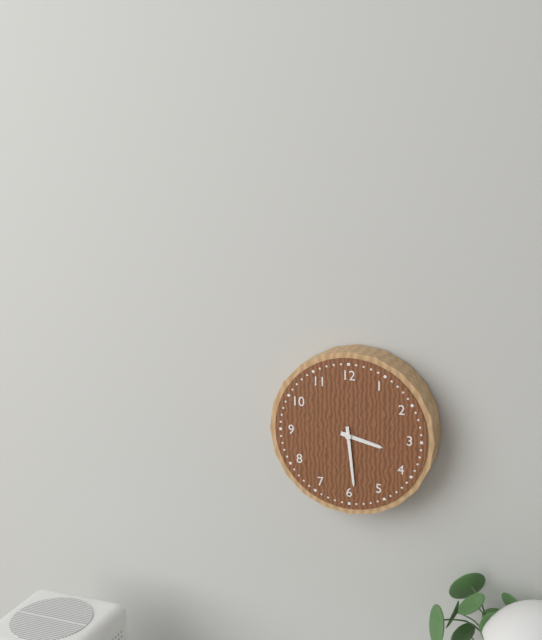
3:29
